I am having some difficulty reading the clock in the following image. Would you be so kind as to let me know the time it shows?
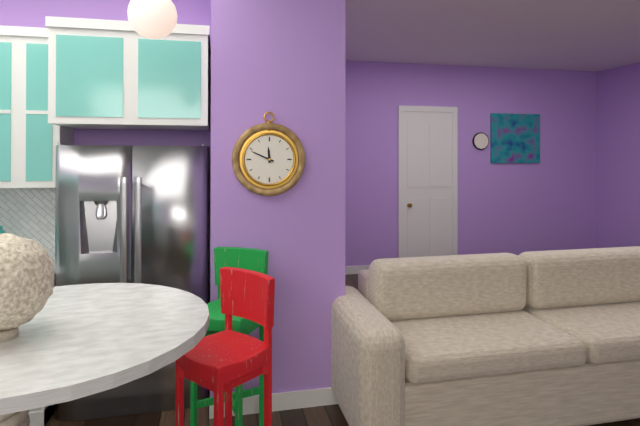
11:49
